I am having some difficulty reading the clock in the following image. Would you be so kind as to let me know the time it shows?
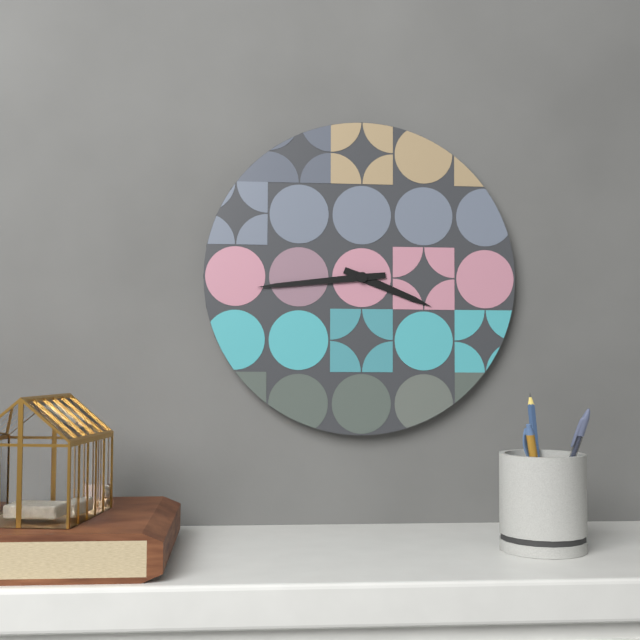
3:44
